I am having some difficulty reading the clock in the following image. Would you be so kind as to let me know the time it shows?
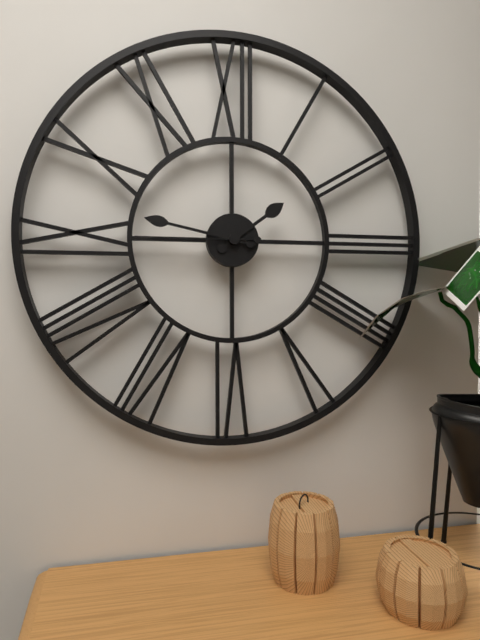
1:47:45
